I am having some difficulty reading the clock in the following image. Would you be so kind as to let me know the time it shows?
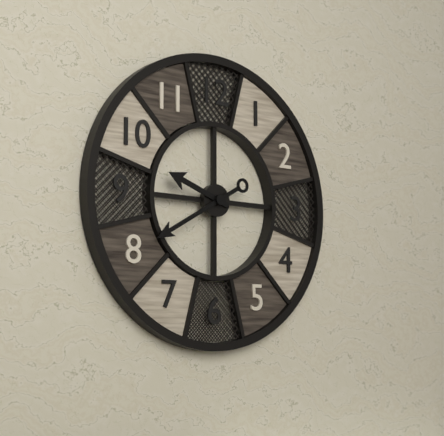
9:40
